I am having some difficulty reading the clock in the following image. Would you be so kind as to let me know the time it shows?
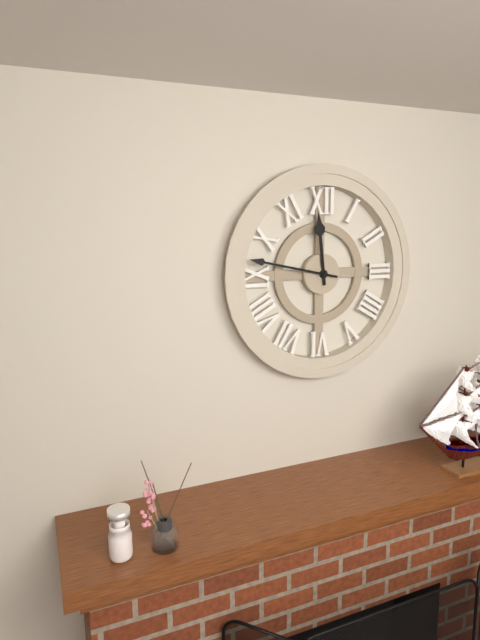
11:47
